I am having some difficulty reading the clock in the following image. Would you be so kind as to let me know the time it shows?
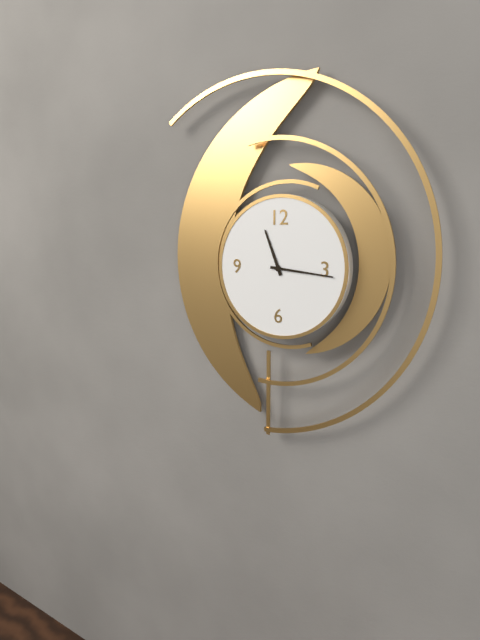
11:16
